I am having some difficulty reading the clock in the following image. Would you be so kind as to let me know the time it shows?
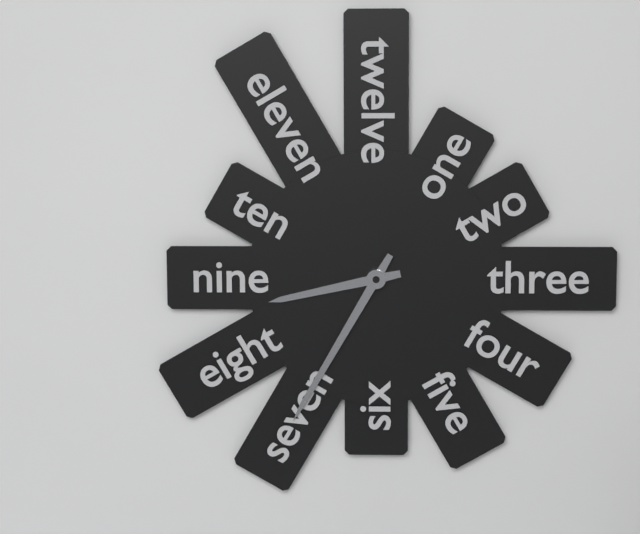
8:35
